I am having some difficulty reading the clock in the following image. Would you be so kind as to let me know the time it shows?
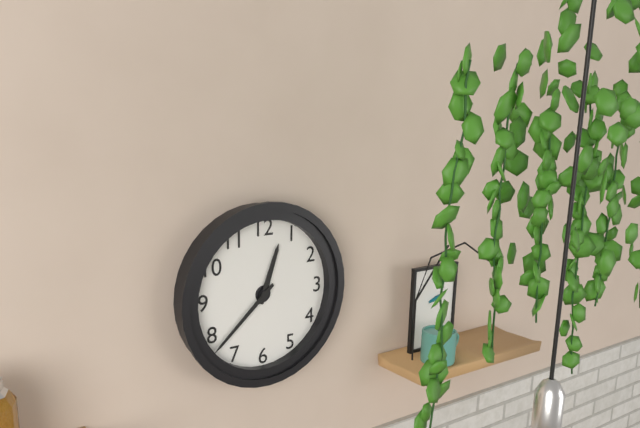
12:38
